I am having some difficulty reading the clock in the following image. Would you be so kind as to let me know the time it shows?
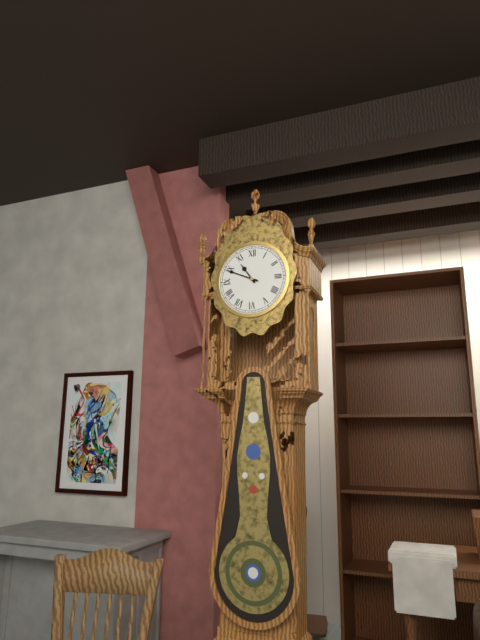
10:49
